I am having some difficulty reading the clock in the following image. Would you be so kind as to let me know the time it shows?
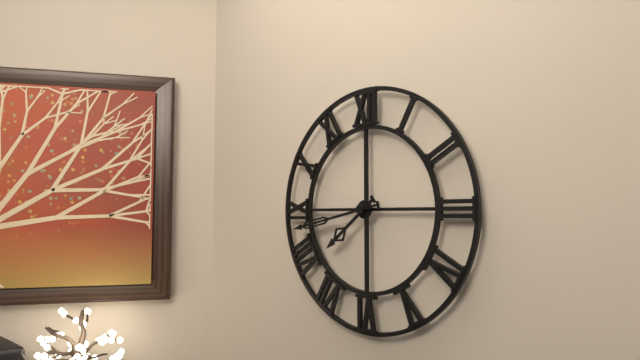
7:43
